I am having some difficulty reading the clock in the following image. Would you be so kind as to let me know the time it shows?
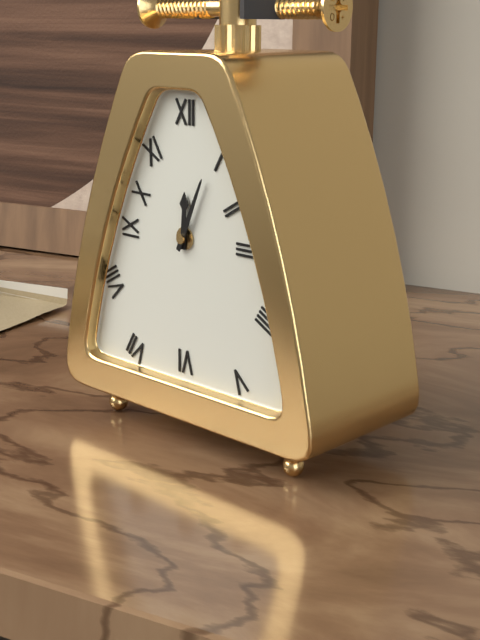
12:04
